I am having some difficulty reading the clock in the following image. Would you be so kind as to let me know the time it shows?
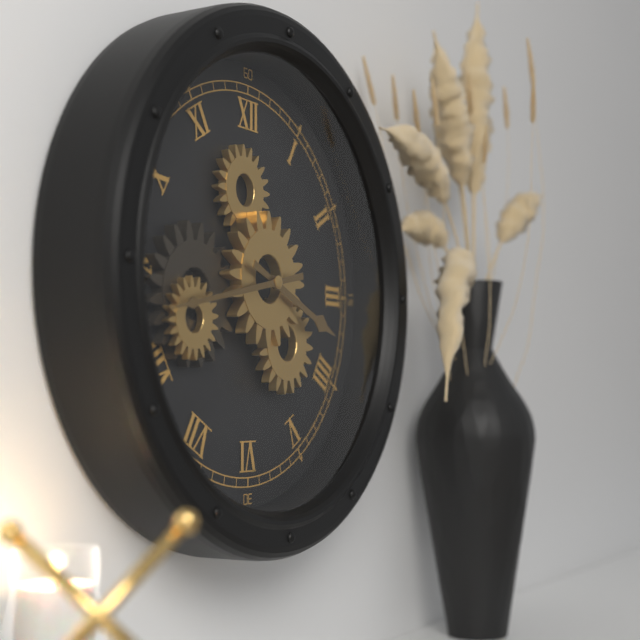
3:43
